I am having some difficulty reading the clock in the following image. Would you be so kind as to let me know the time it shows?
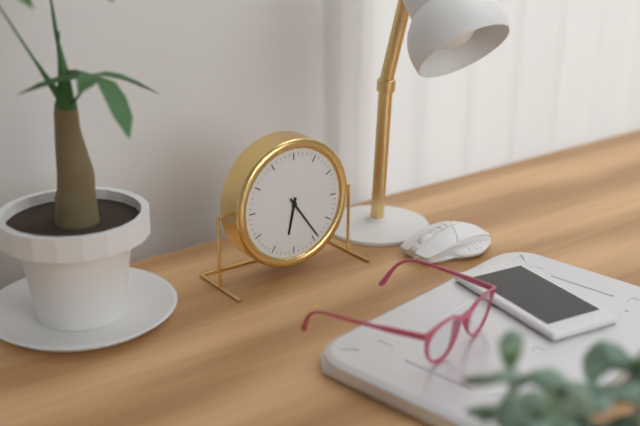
6:24
